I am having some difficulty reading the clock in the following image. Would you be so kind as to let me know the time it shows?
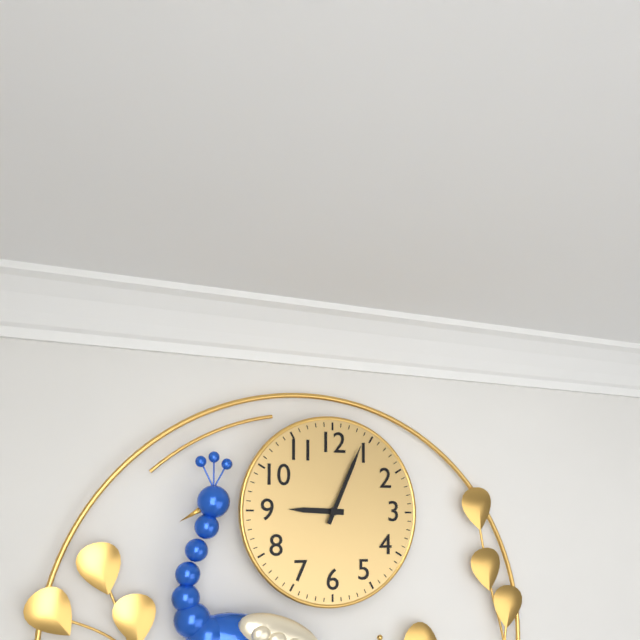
9:04
